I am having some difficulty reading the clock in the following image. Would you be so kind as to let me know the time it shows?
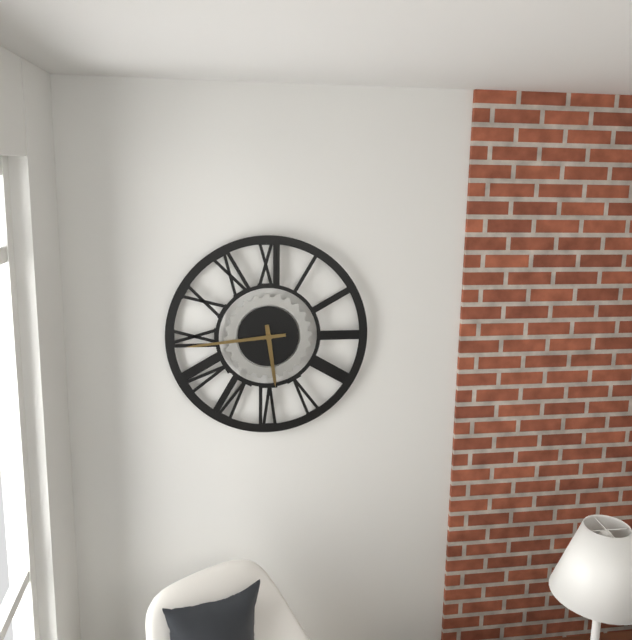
5:44
